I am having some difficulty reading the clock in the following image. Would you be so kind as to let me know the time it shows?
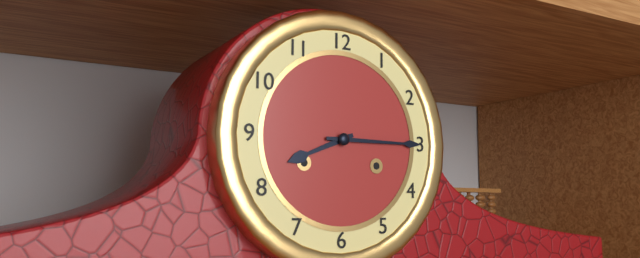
8:15
